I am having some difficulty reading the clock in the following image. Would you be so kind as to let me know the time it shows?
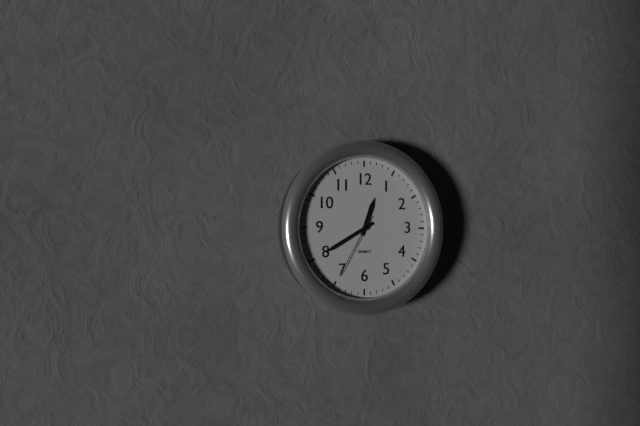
12:40:35
